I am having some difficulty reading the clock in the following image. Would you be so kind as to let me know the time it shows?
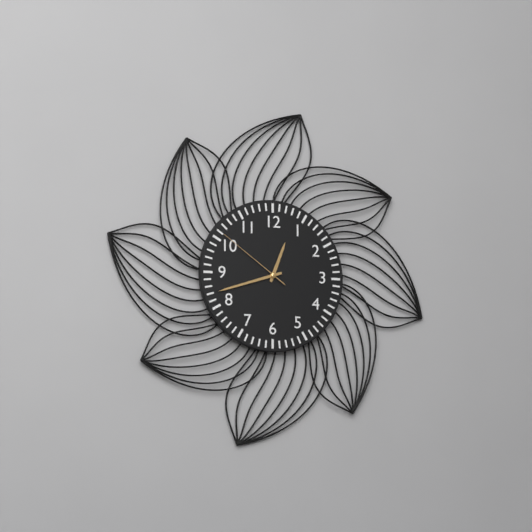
12:42:51
